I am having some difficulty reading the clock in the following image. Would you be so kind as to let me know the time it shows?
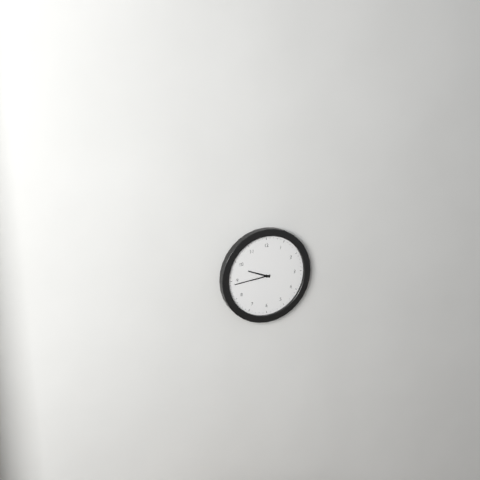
9:44
